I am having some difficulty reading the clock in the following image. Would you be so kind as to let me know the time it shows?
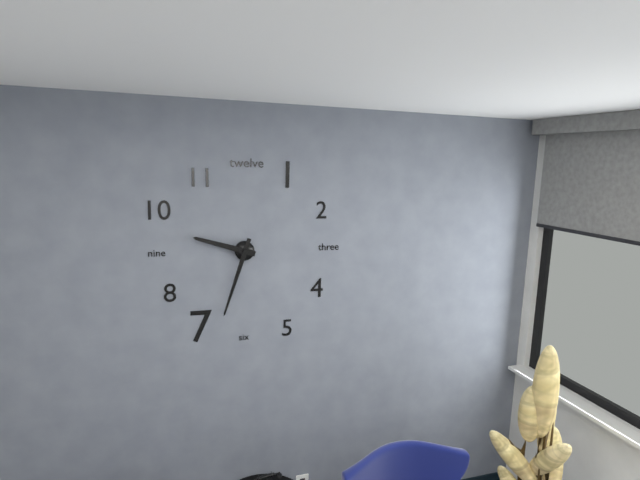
9:33
